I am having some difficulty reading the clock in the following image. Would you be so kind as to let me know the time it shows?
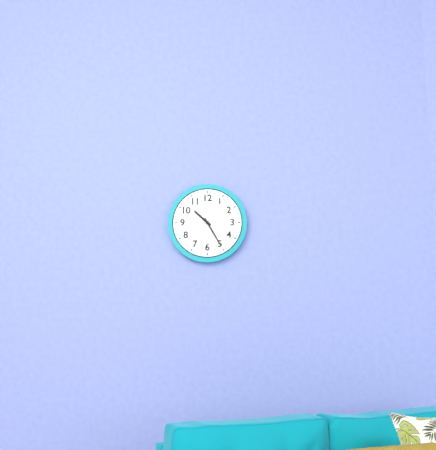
10:25
